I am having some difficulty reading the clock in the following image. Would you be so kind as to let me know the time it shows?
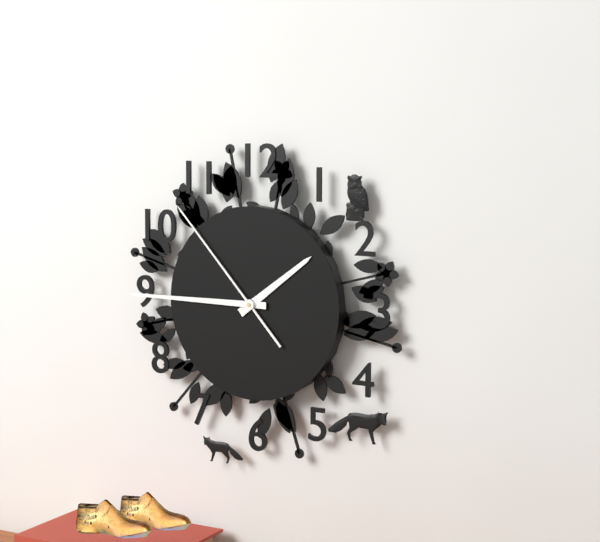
1:45:53
